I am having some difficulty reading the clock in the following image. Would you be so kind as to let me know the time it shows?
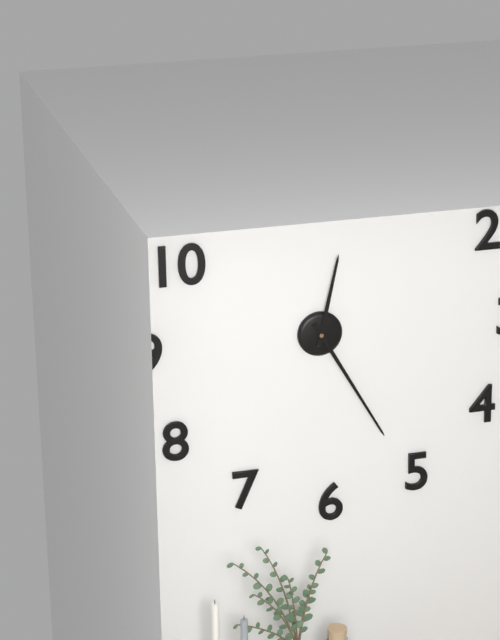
12:25
